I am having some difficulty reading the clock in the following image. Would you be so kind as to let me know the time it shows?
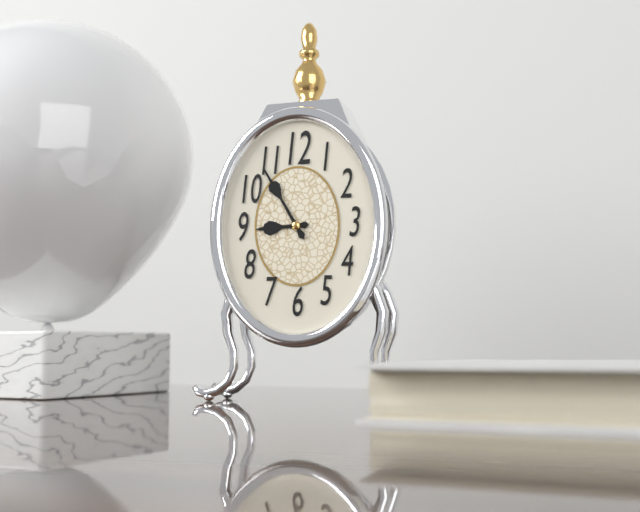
8:55
